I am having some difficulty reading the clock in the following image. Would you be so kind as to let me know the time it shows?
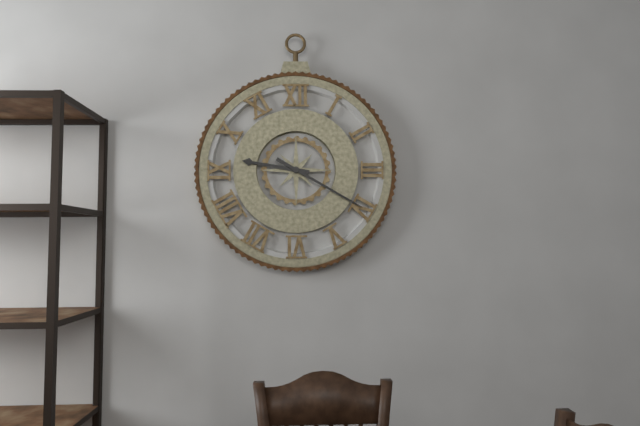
9:20
